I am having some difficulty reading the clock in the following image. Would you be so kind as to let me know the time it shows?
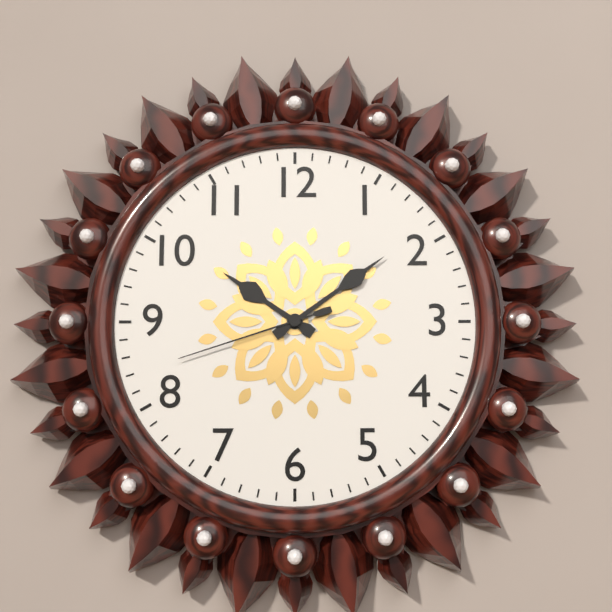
10:09:42
